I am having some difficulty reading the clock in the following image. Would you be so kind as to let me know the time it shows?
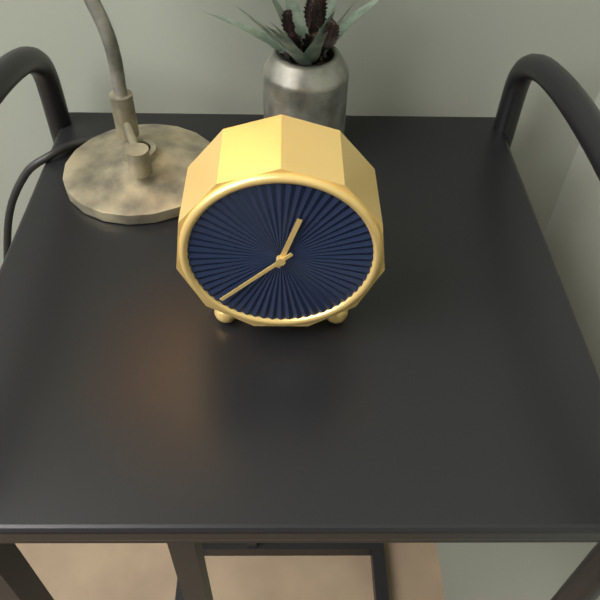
12:38
